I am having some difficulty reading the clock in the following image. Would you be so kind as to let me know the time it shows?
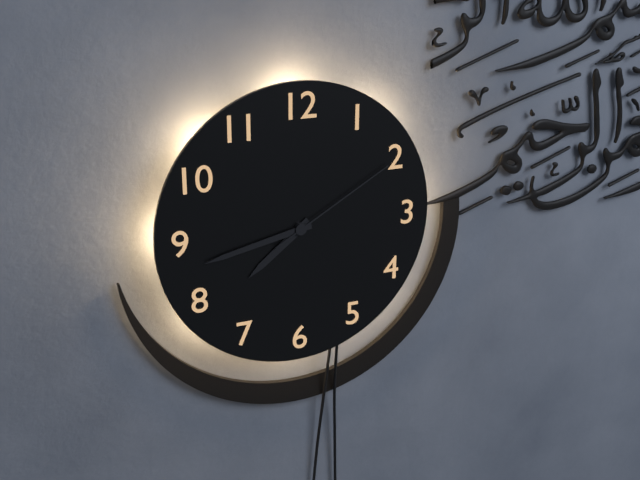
7:43:10
